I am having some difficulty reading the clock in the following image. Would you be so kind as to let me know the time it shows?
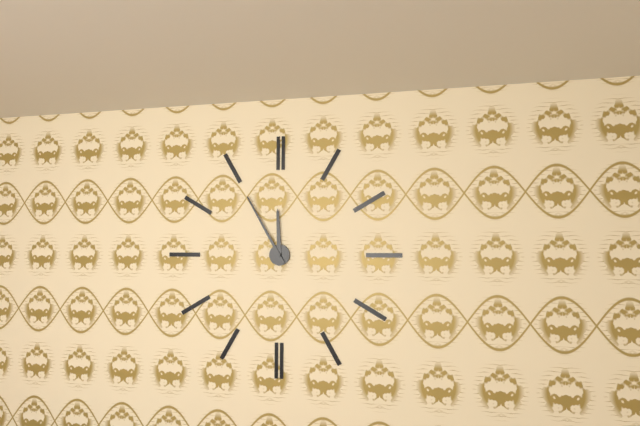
11:55
